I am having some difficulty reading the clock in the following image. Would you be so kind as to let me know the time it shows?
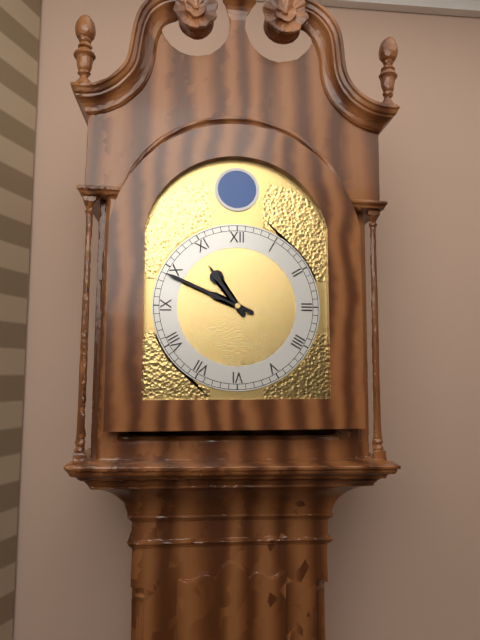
10:49
